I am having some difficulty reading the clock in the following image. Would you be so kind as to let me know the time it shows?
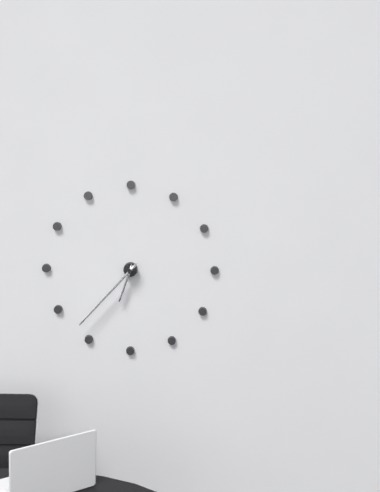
6:37
